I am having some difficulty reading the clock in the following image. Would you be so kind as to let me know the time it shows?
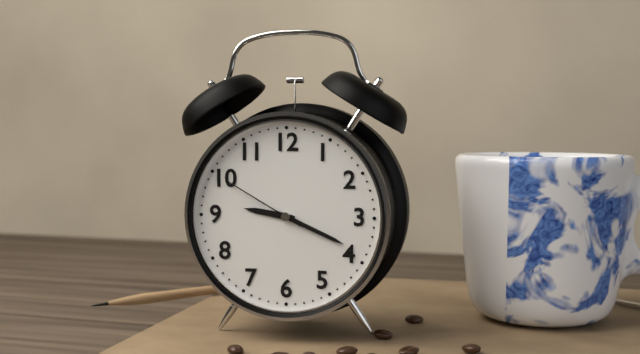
9:19:50
